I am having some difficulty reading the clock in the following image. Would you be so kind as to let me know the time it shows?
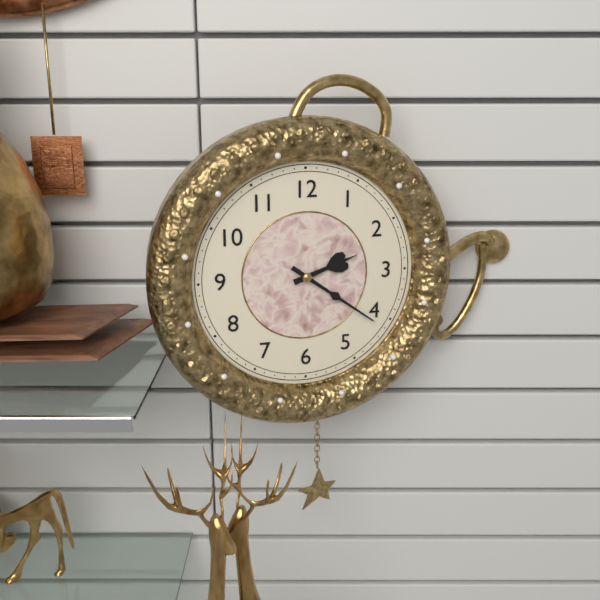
2:21
